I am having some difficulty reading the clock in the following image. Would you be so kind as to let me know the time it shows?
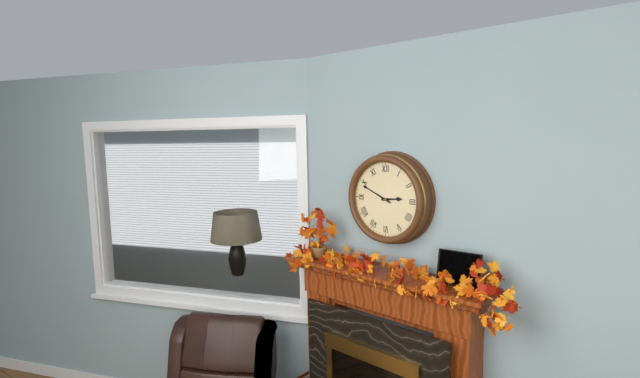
2:49
